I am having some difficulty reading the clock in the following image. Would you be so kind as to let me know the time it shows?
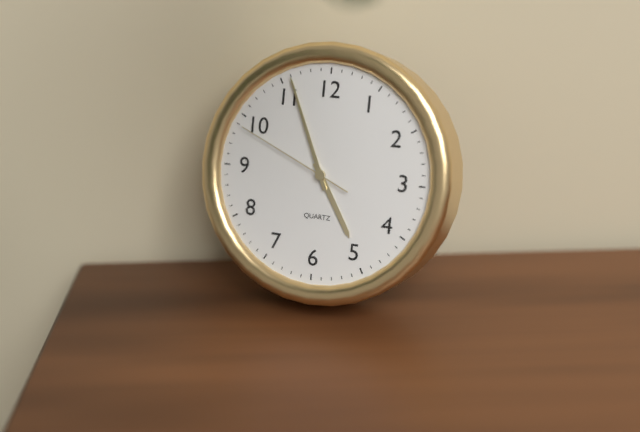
4:56:49
